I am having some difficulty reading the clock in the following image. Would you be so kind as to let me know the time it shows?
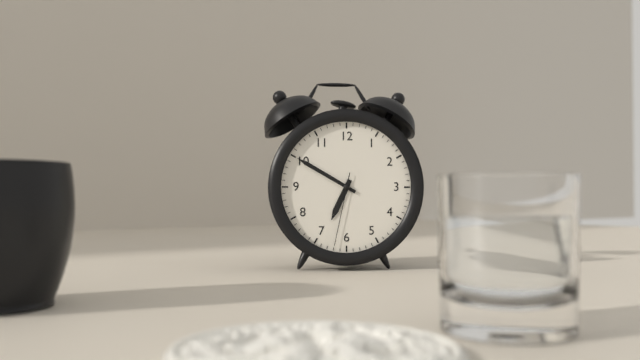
6:50:32
